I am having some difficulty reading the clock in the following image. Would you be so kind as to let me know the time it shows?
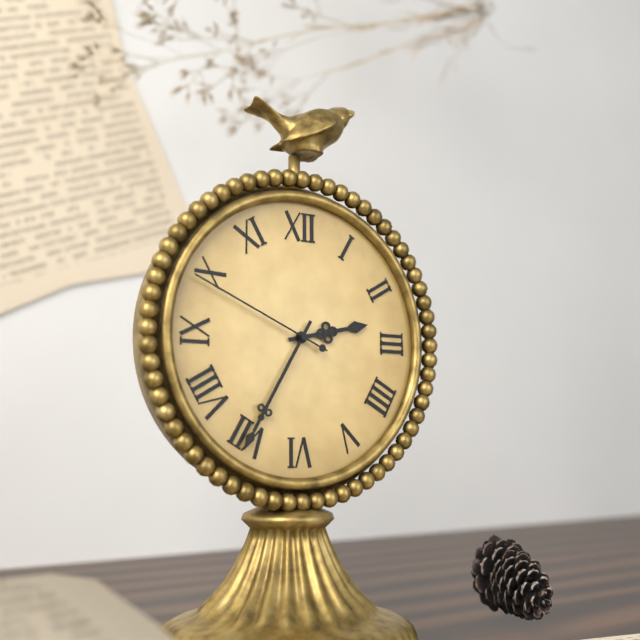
2:35:49
